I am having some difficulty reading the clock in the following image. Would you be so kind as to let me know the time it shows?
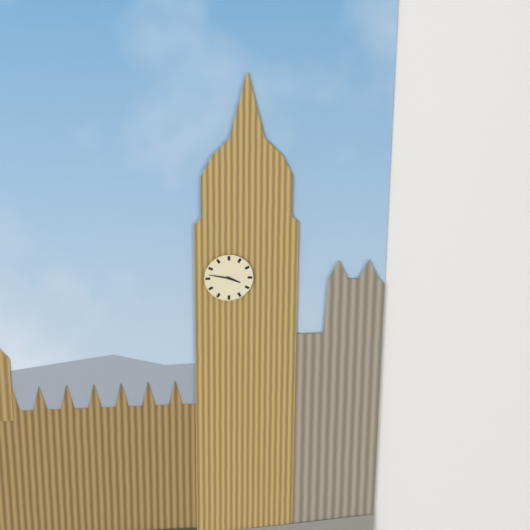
3:47
